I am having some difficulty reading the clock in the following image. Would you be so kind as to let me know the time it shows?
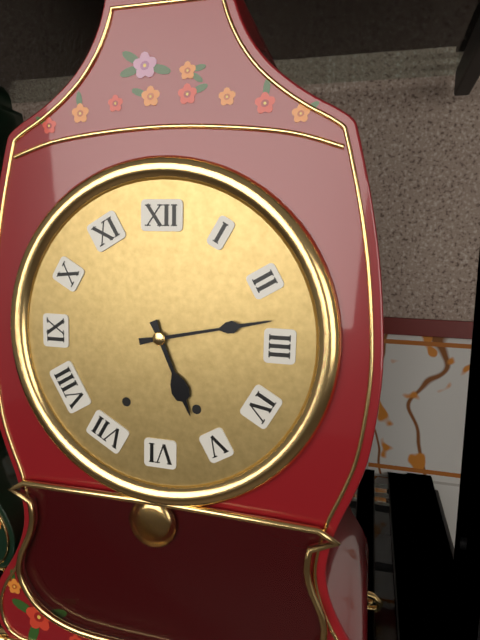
5:13
